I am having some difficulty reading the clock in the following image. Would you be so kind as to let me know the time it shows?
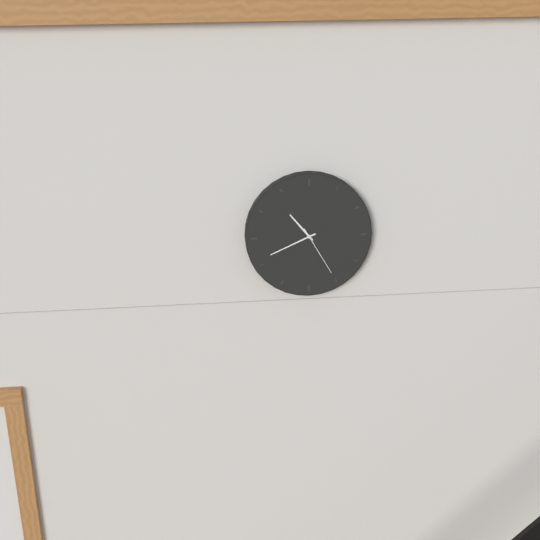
10:41:25
